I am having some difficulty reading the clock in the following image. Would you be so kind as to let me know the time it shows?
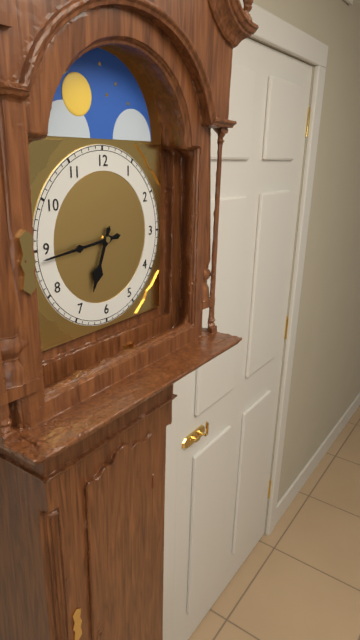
6:44
